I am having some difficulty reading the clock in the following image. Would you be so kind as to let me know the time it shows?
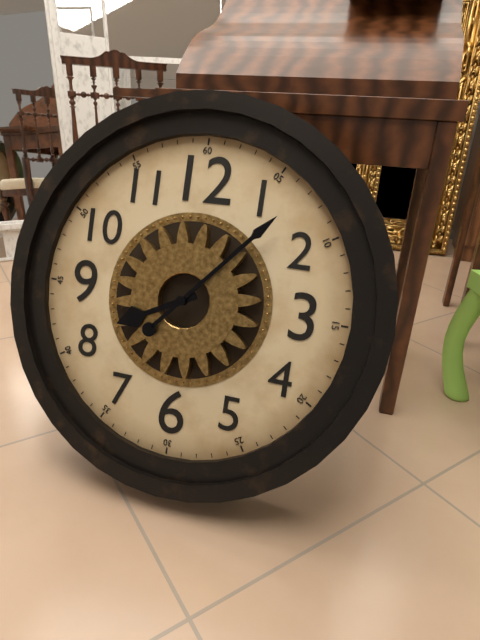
8:07
